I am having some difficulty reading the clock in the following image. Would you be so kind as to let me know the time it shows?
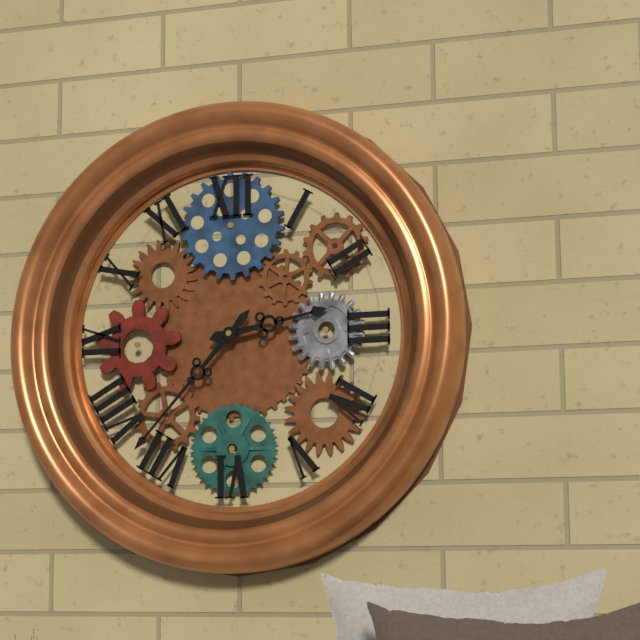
2:37
